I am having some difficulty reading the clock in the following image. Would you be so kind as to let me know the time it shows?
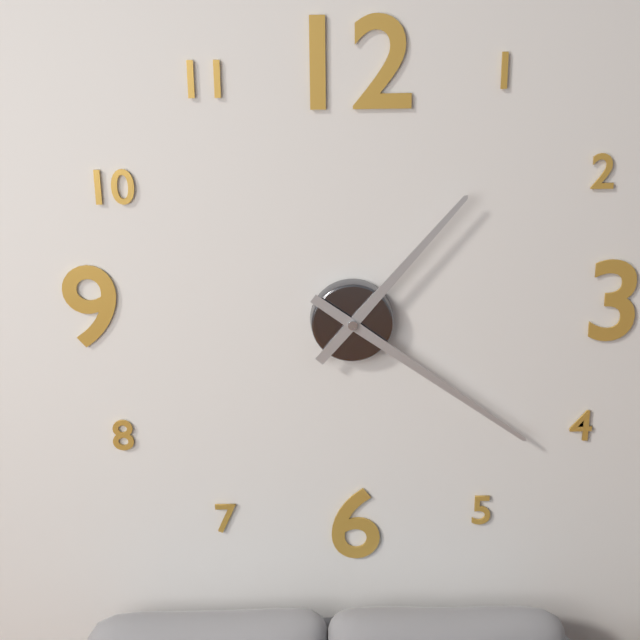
1:21
